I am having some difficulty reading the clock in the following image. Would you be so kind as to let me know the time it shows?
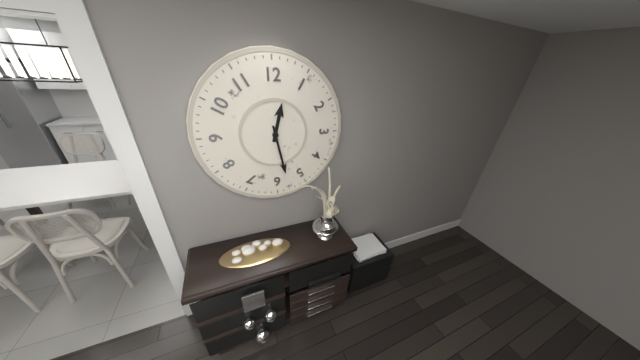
12:28
